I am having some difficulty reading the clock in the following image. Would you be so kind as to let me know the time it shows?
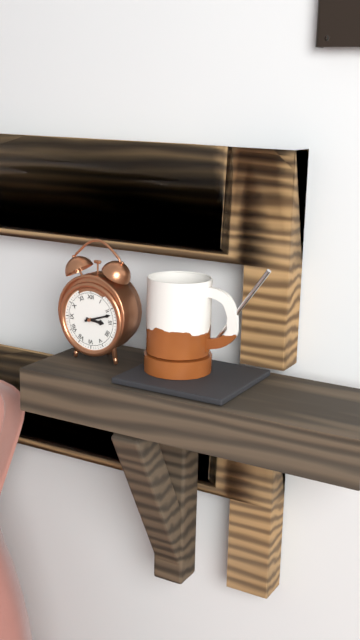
3:12
